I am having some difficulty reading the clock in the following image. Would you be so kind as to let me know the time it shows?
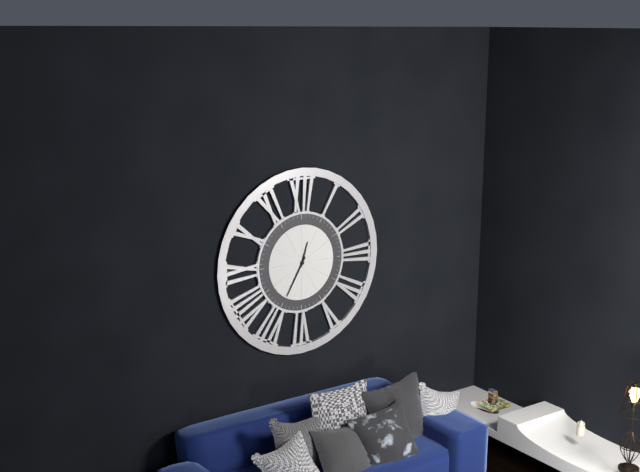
12:35
